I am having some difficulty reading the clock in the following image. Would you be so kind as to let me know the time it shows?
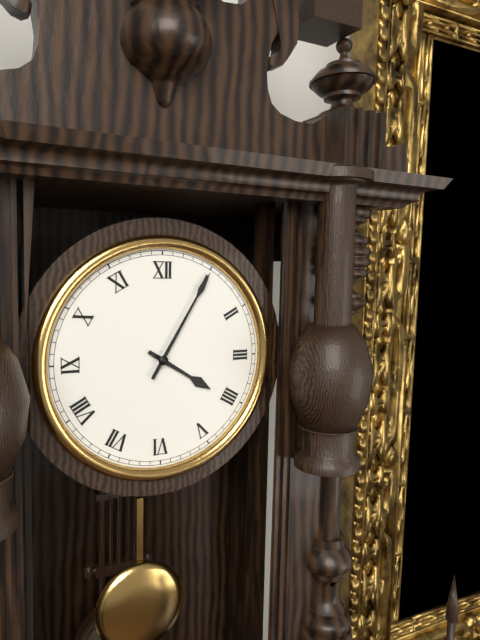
4:05
